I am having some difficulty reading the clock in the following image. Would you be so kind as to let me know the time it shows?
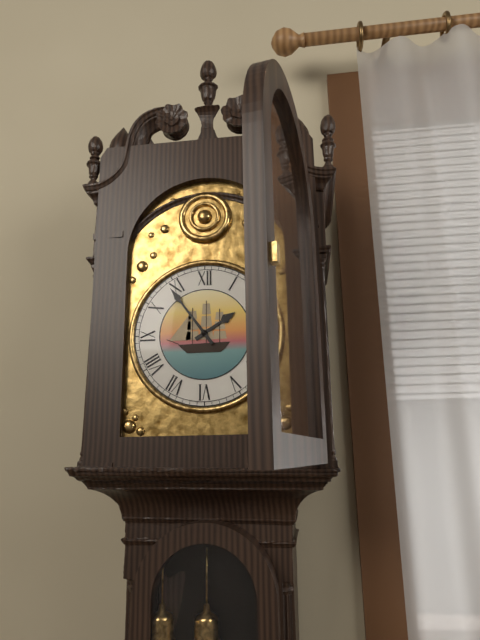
1:54
